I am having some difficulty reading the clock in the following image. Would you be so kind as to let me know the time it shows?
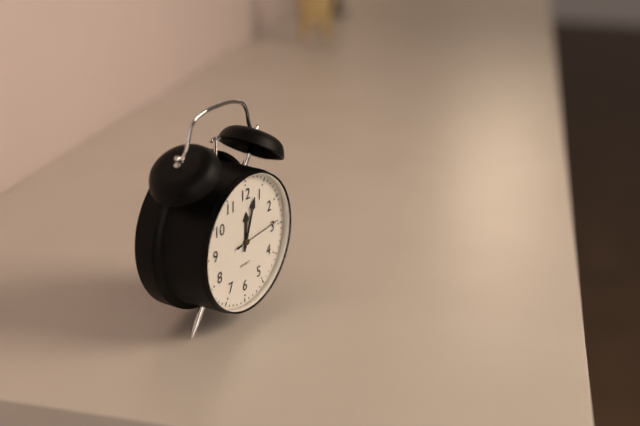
12:03:14
